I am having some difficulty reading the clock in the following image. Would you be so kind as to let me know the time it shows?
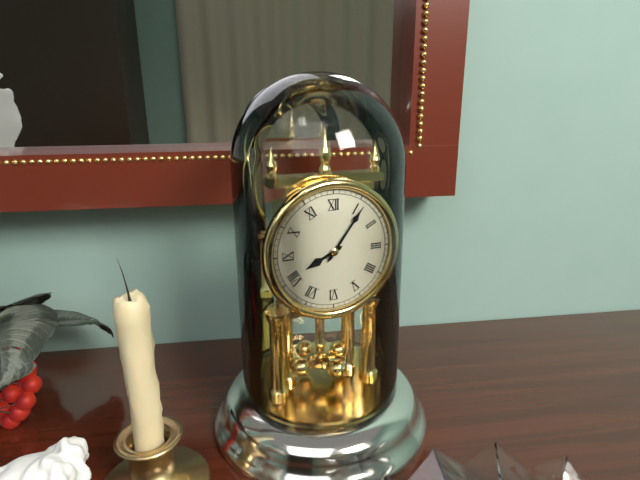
8:06
